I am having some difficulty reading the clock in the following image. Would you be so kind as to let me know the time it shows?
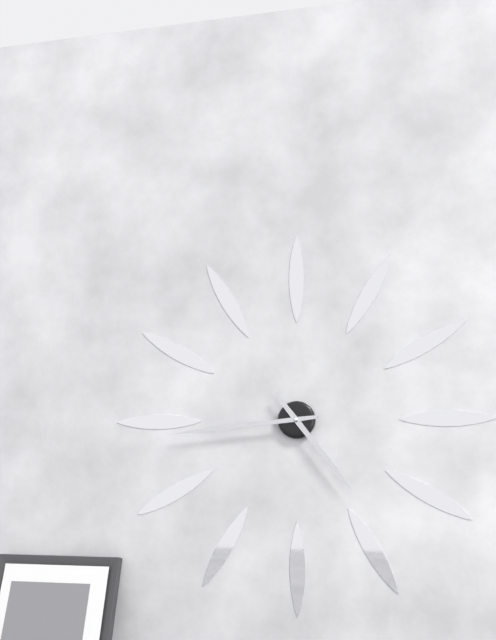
4:44
